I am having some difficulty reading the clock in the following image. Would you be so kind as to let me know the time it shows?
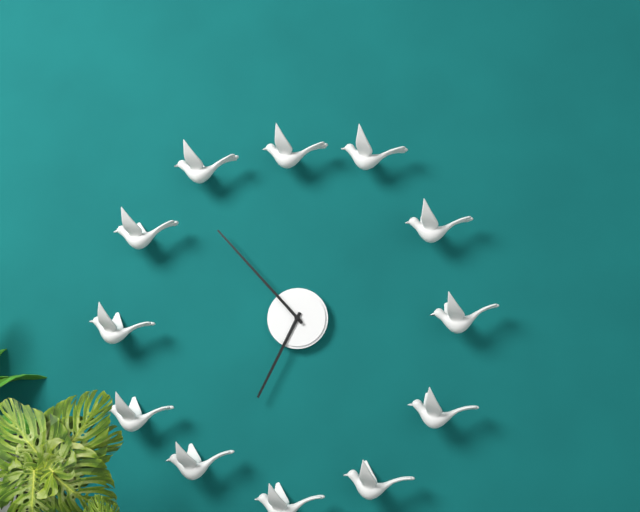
6:53
